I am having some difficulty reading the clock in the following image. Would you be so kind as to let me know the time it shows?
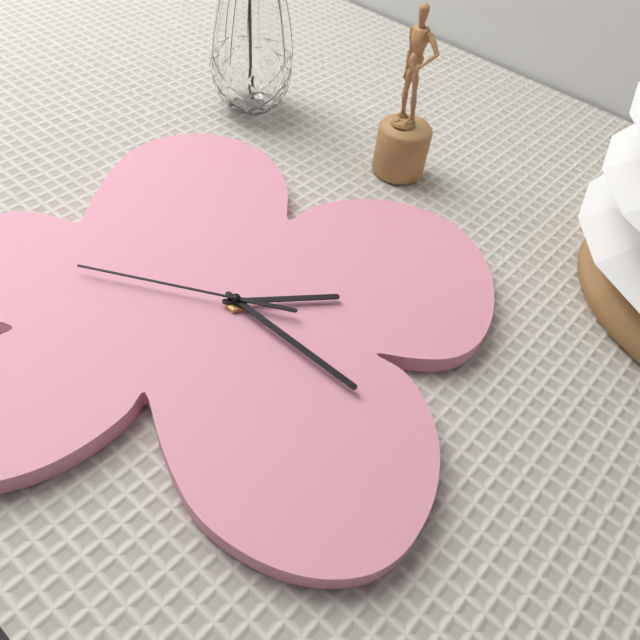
2:20:45
